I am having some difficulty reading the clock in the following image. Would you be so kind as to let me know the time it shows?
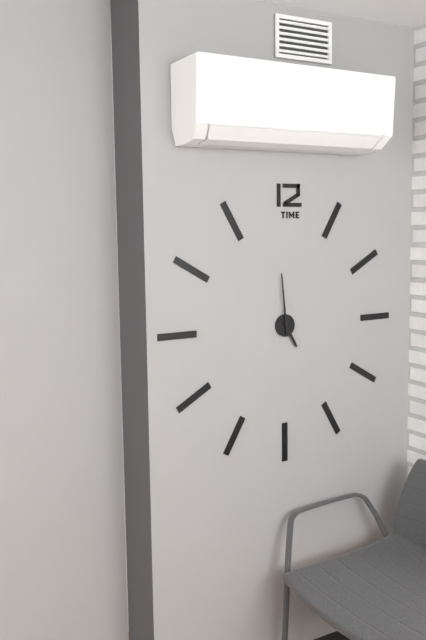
4:59
